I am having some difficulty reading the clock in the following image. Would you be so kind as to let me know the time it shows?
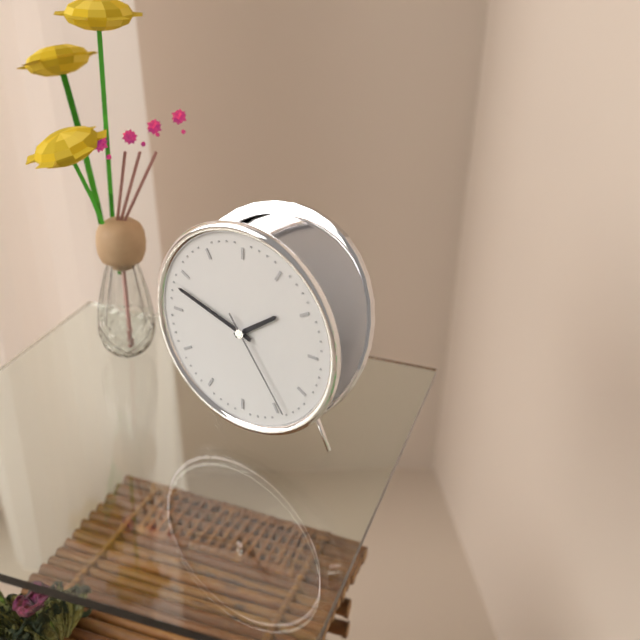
1:48:24
